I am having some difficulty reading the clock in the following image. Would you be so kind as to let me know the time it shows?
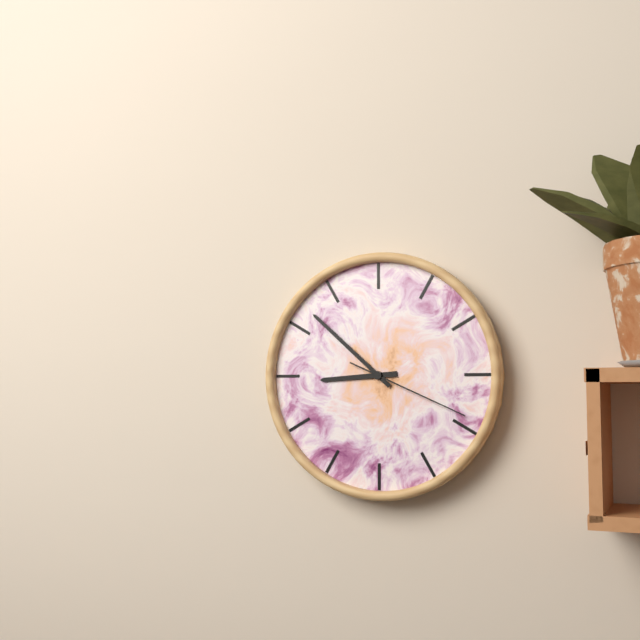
8:52:19
